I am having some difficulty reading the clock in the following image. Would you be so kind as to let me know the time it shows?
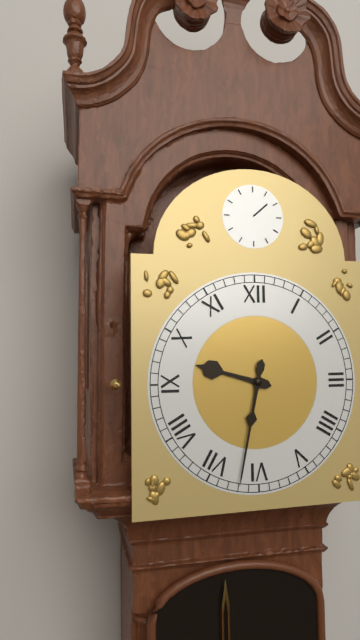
9:32
